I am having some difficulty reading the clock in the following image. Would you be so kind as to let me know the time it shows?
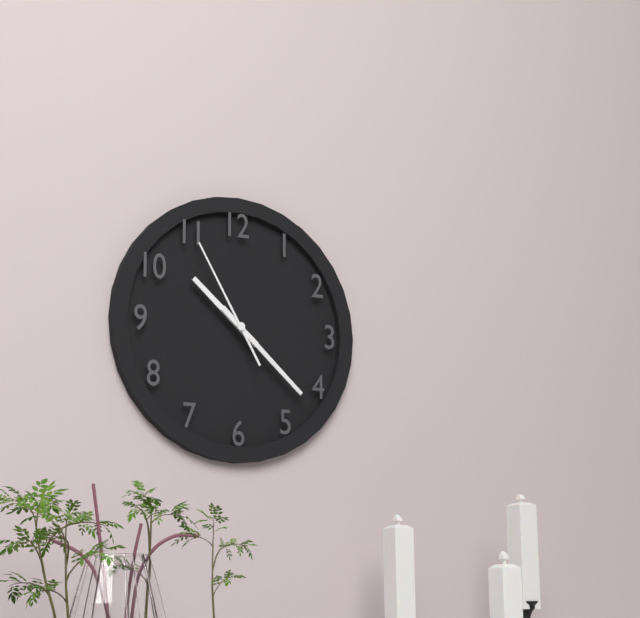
10:22:55
